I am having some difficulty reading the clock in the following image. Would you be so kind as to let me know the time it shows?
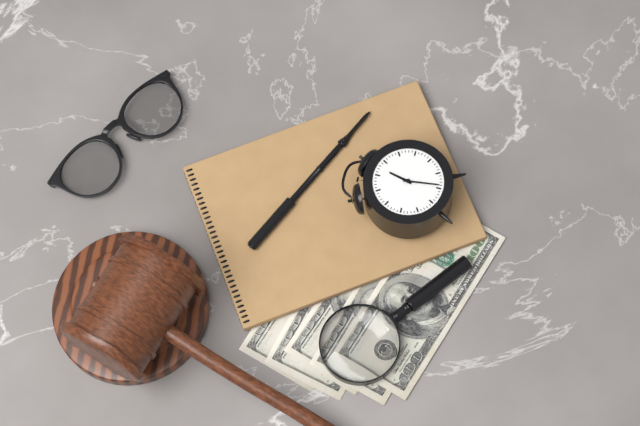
12:29
